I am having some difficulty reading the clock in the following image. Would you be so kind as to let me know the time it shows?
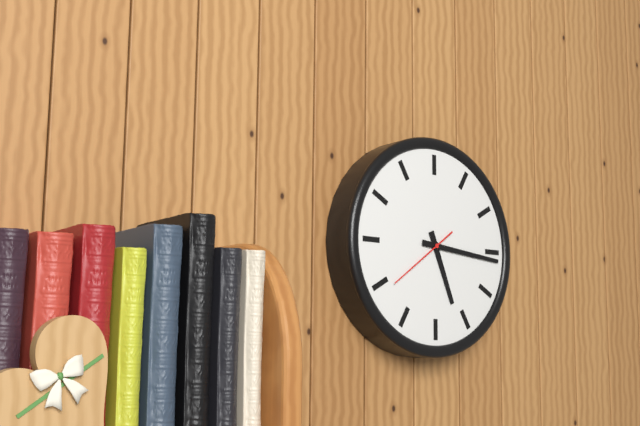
5:16
